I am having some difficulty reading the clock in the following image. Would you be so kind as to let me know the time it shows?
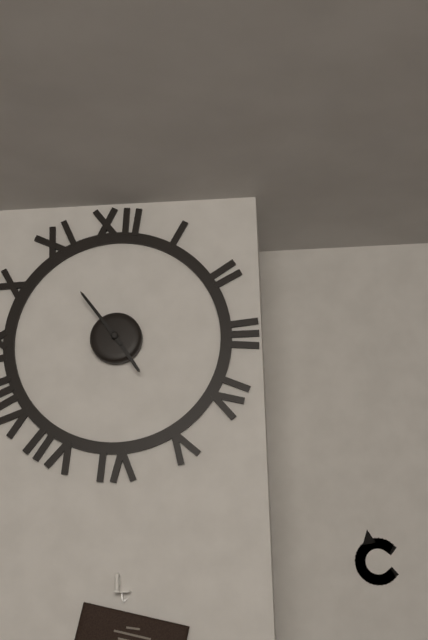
4:54
